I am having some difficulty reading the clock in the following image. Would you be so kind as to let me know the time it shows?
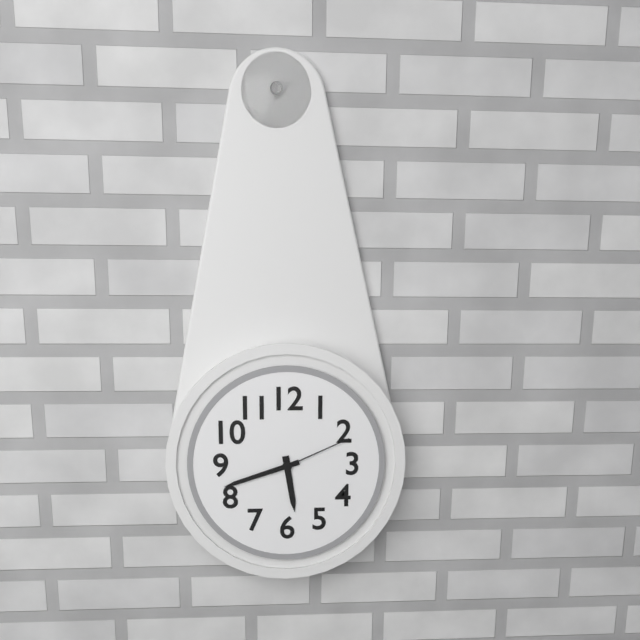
5:42:11
